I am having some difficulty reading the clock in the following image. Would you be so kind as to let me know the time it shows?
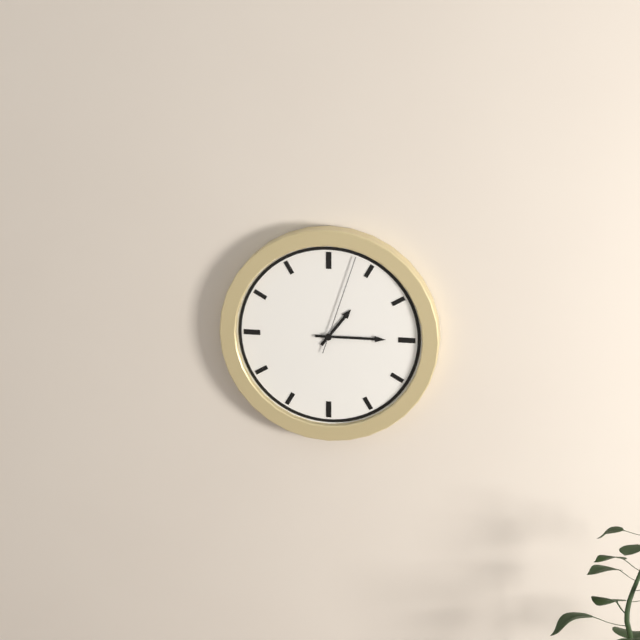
1:15:03
